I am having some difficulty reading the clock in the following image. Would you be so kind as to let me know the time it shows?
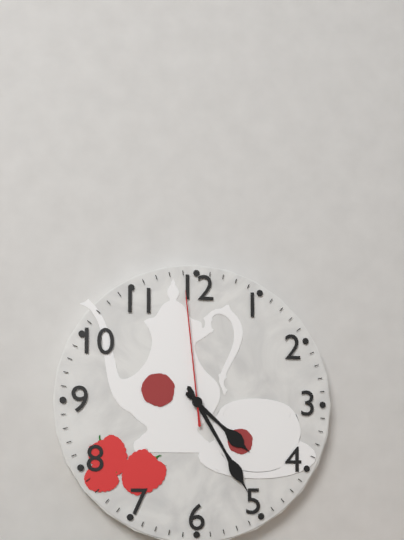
4:25:59
